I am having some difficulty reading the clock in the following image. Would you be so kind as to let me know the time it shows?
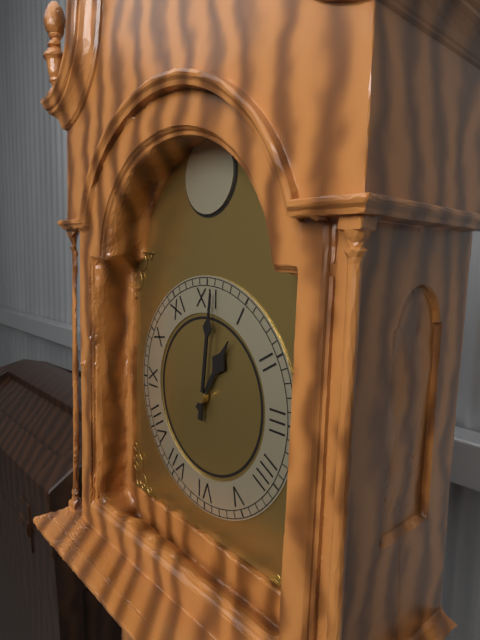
1:01
